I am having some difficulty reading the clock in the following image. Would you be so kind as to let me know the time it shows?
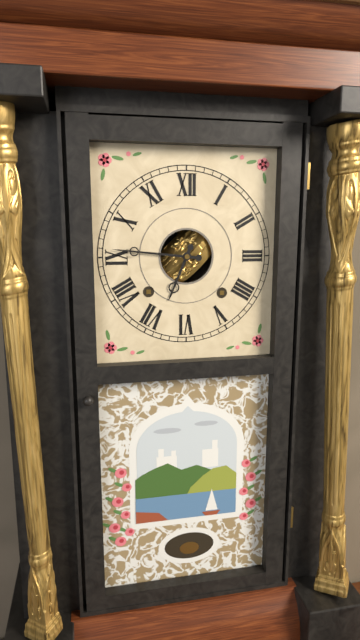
6:46
